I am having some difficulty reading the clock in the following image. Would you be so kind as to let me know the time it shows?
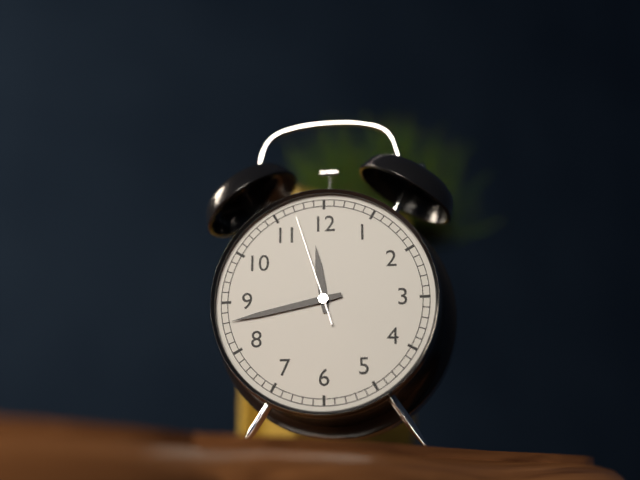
11:43:57
